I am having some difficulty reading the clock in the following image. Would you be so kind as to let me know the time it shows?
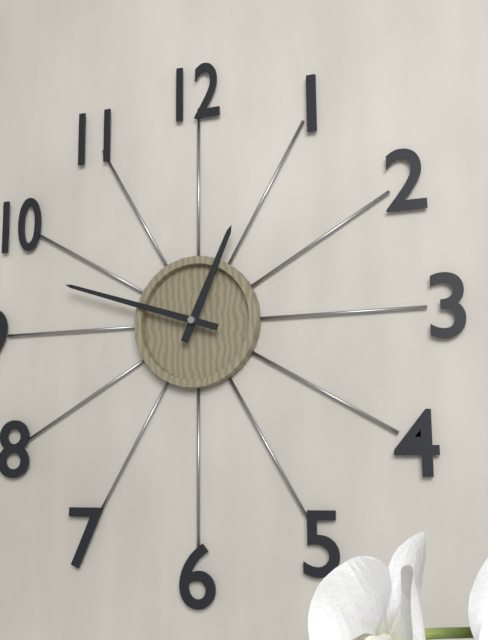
12:48
